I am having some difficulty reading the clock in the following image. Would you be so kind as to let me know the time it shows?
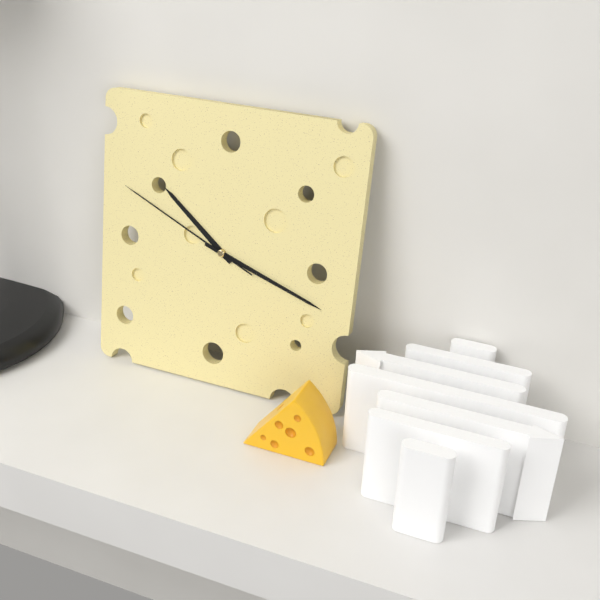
10:18:49
